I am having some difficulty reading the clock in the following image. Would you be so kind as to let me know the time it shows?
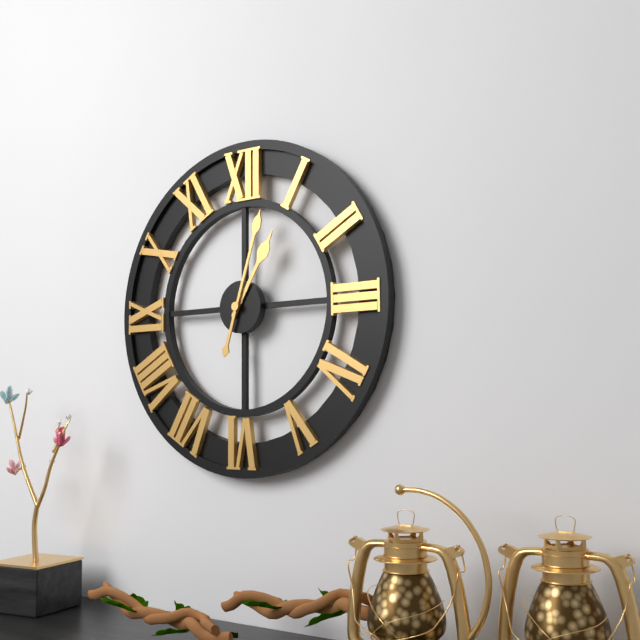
1:03
